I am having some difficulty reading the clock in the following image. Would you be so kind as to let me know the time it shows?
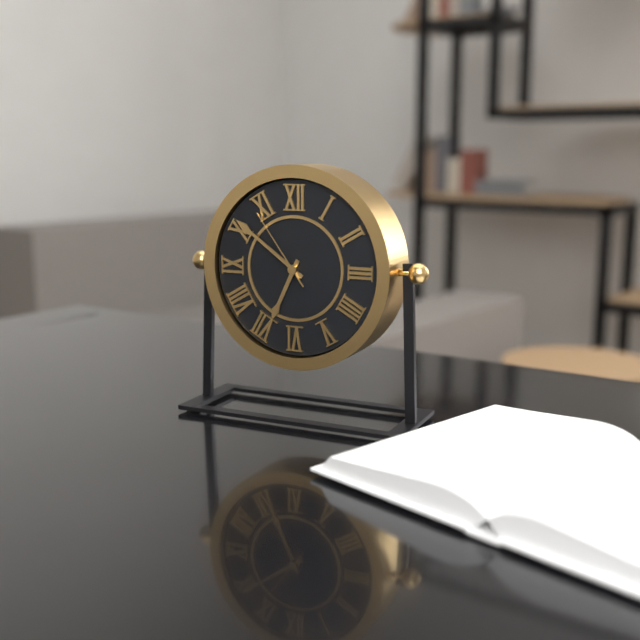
6:51:54
